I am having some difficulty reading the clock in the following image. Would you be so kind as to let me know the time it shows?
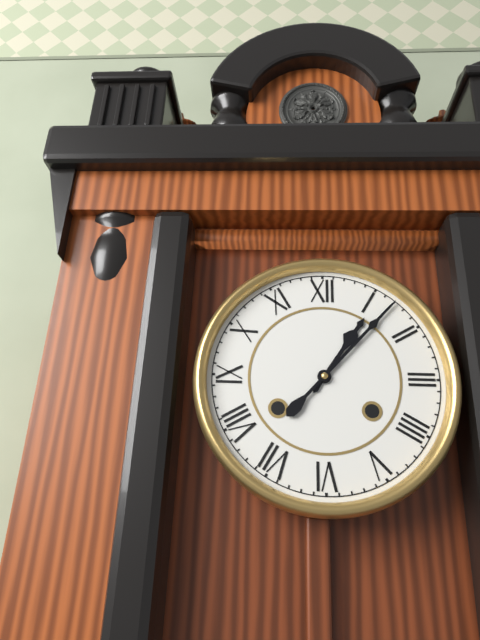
1:07
